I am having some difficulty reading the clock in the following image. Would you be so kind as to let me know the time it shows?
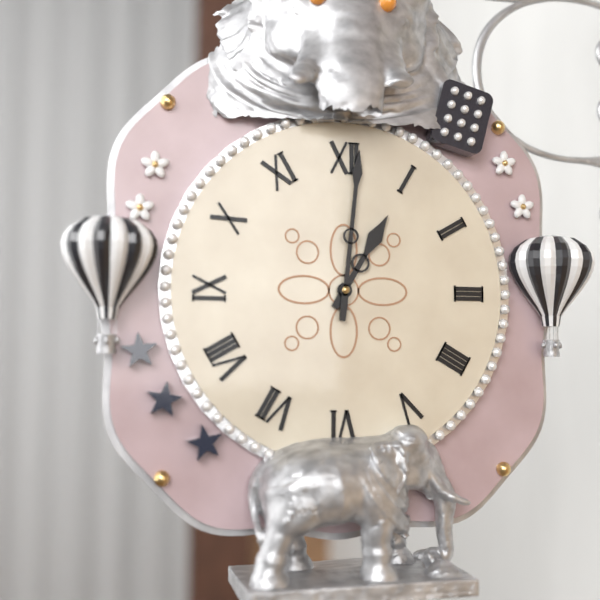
1:01
